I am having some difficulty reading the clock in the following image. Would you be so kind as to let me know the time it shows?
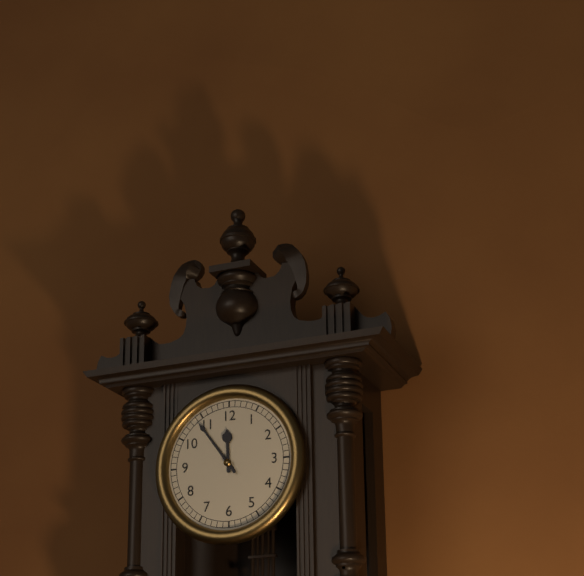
11:54
